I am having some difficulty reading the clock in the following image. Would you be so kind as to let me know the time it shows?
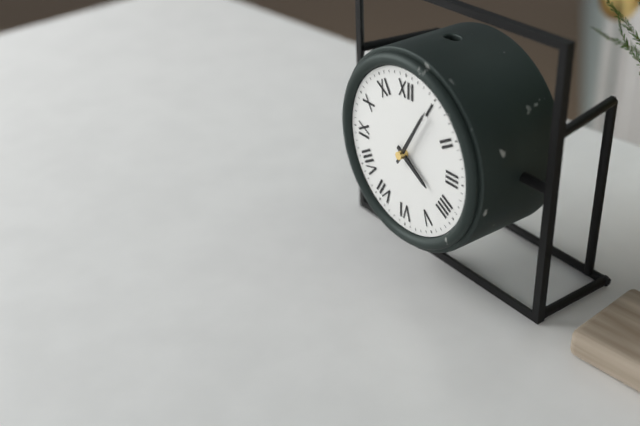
4:05
